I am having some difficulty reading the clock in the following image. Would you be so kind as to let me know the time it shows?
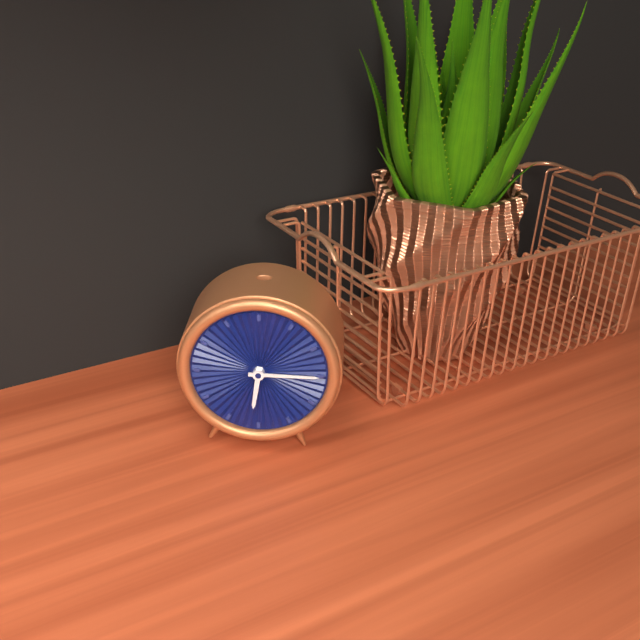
6:15
